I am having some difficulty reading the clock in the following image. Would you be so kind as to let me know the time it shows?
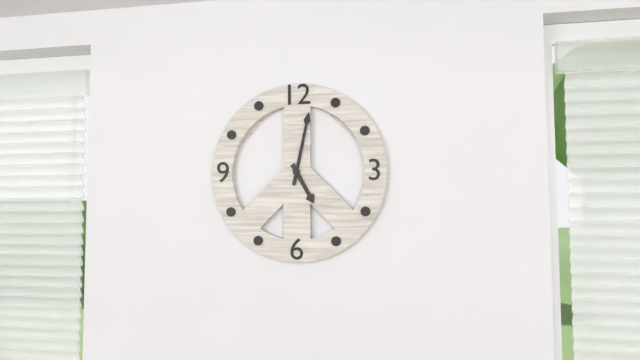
5:02
